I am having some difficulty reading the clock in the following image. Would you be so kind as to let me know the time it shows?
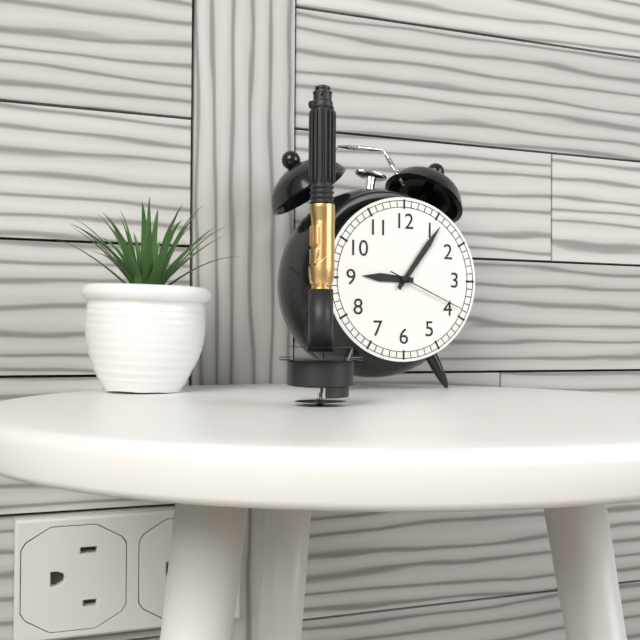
9:06:19
